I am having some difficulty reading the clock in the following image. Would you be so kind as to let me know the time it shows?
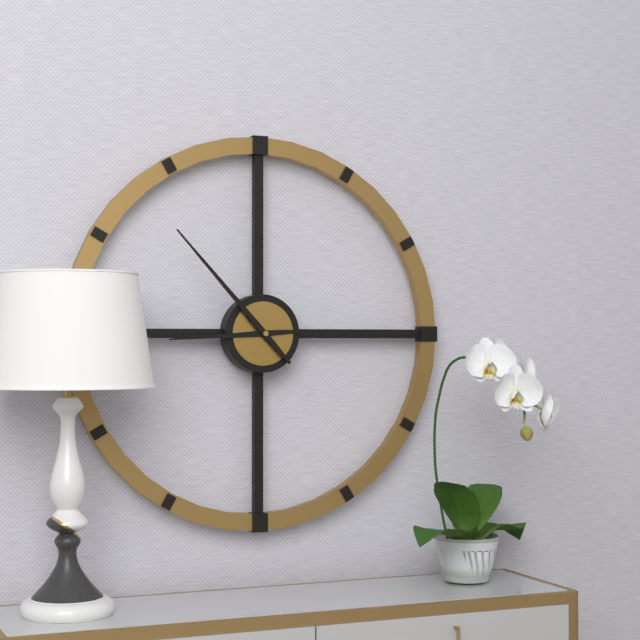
8:53
